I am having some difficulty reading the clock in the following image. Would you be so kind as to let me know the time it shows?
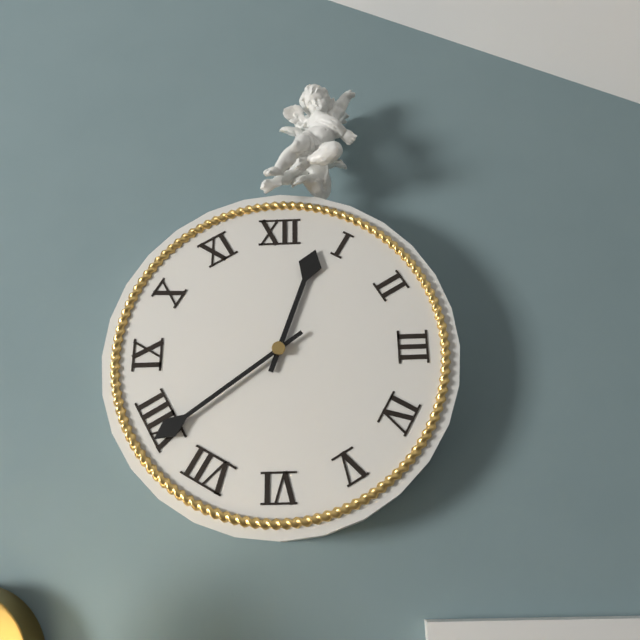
12:39
